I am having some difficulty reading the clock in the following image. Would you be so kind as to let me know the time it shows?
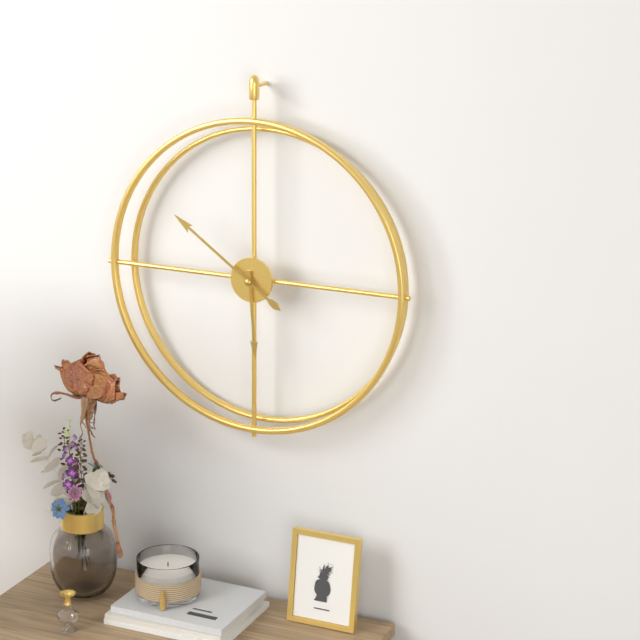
5:51
